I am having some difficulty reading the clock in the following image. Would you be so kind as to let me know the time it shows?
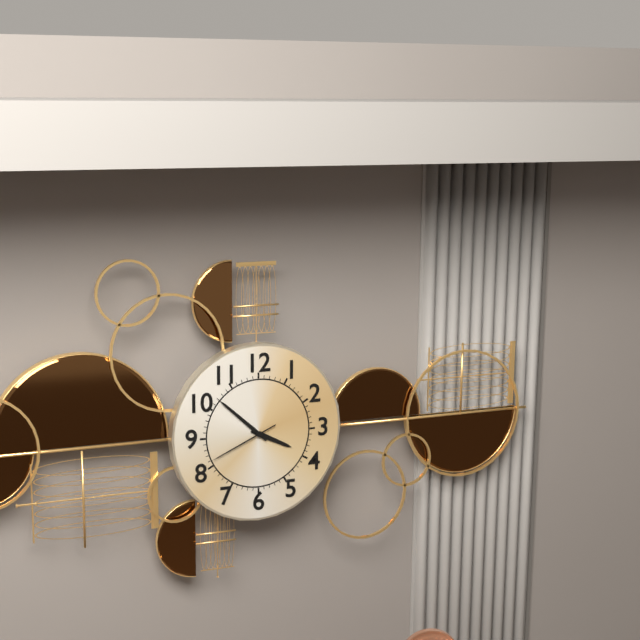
3:52:41
